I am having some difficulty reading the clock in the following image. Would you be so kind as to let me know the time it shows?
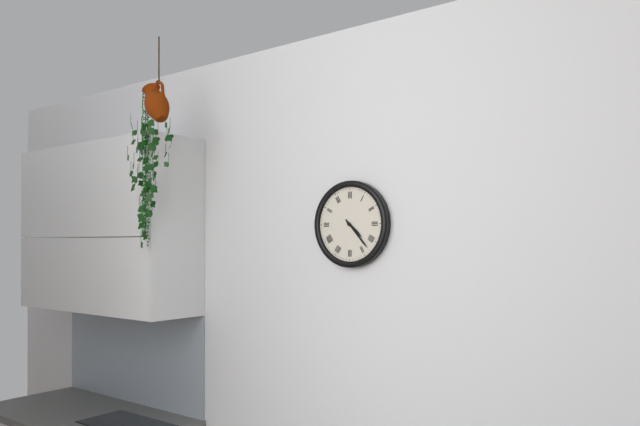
4:23
